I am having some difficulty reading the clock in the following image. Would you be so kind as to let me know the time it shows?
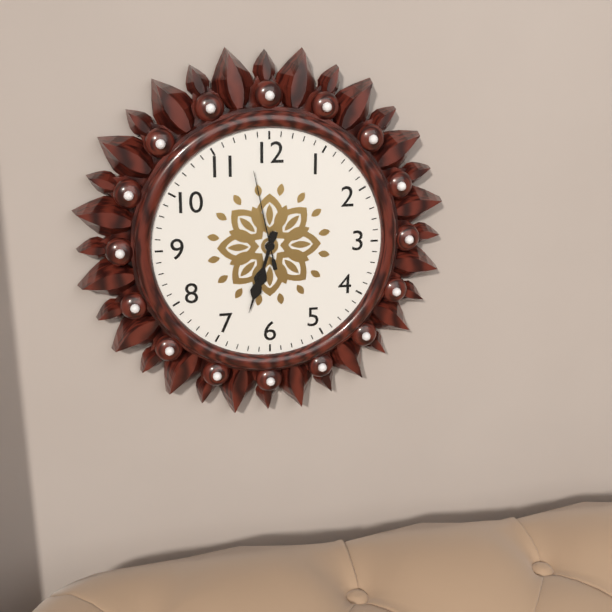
6:33:58
